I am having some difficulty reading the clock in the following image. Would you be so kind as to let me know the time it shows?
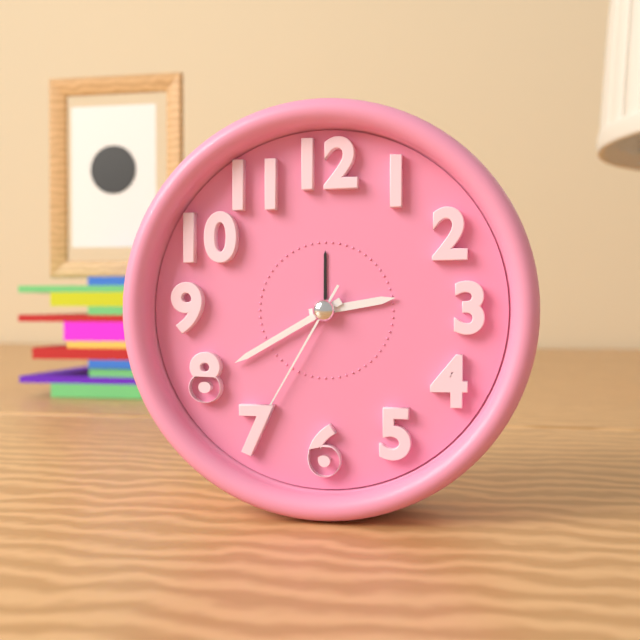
2:40:35
